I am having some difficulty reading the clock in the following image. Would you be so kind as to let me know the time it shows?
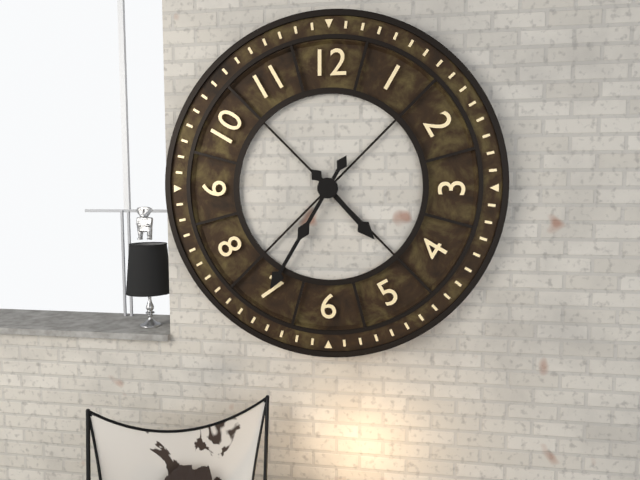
4:35
